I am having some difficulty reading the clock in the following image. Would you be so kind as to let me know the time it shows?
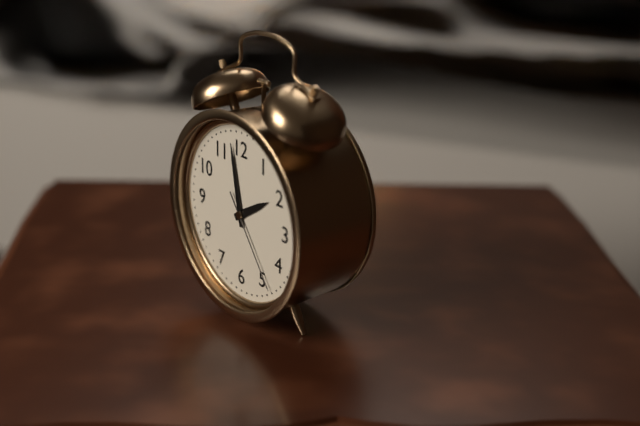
1:58:24
